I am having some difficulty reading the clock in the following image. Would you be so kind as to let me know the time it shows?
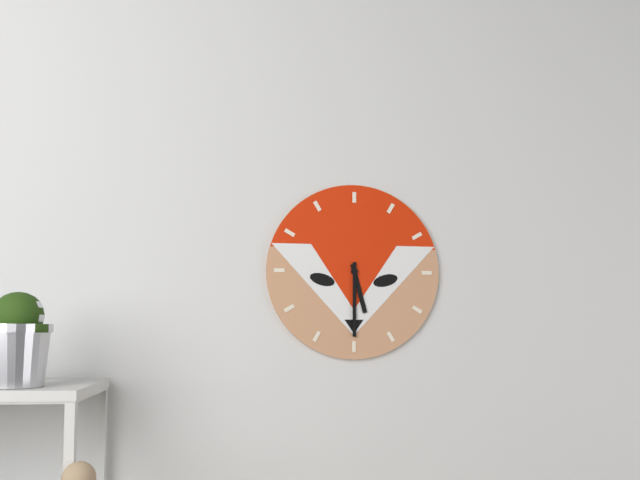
5:30
